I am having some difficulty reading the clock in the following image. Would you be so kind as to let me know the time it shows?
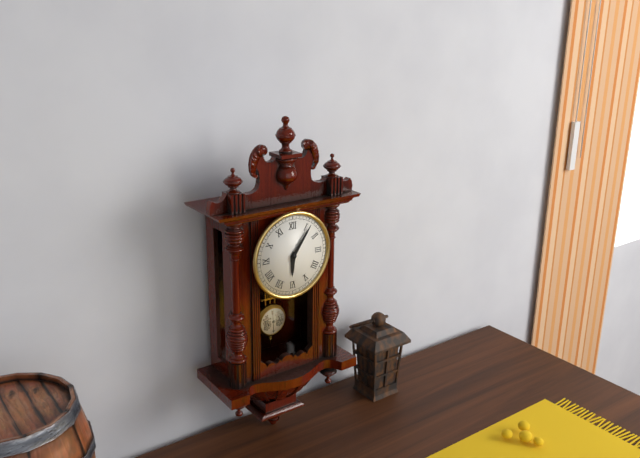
6:06
